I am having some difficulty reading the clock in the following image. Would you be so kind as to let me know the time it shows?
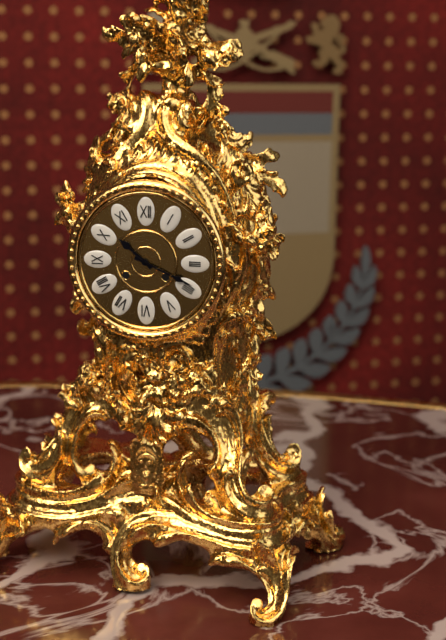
10:19
